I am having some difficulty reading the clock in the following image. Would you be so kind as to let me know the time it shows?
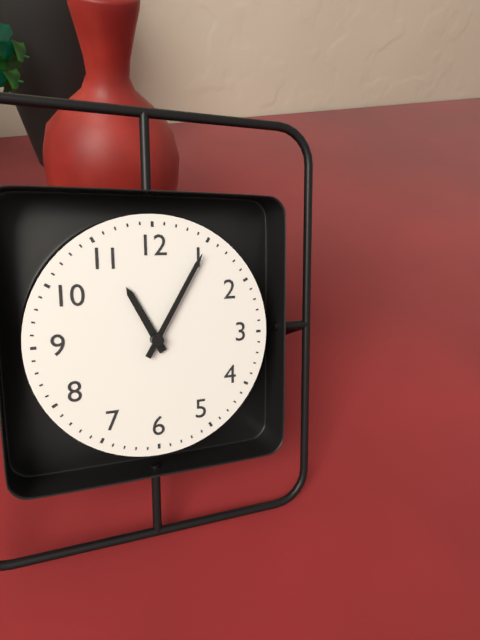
11:05
